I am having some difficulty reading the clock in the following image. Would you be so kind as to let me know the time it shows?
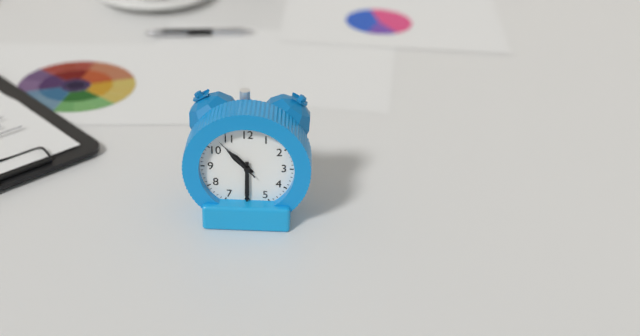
10:30
